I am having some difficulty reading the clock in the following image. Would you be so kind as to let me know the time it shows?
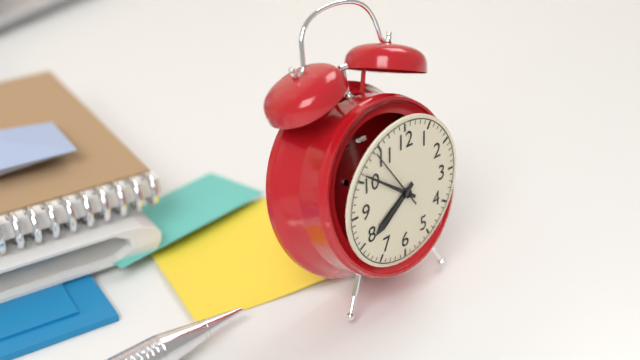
7:51:54
